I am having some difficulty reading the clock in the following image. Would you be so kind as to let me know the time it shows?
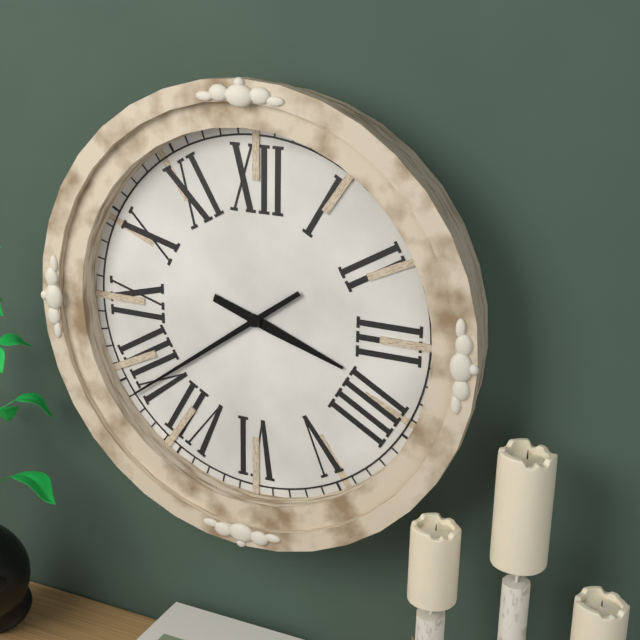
3:39
